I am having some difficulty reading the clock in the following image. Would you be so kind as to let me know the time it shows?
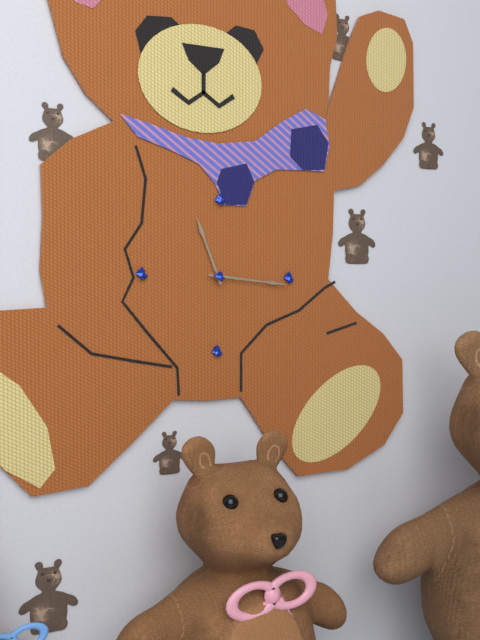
11:16
